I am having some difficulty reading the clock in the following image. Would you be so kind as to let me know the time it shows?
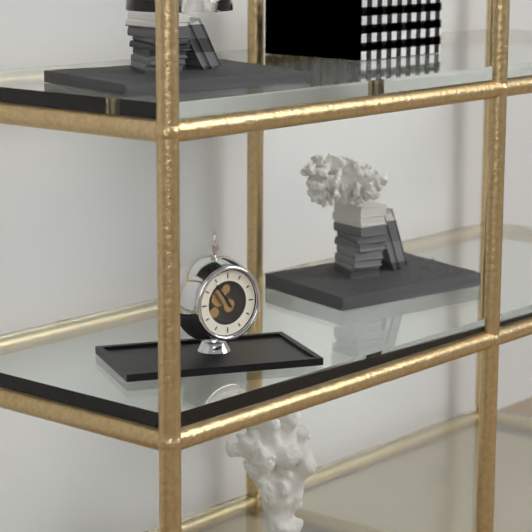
10:54
